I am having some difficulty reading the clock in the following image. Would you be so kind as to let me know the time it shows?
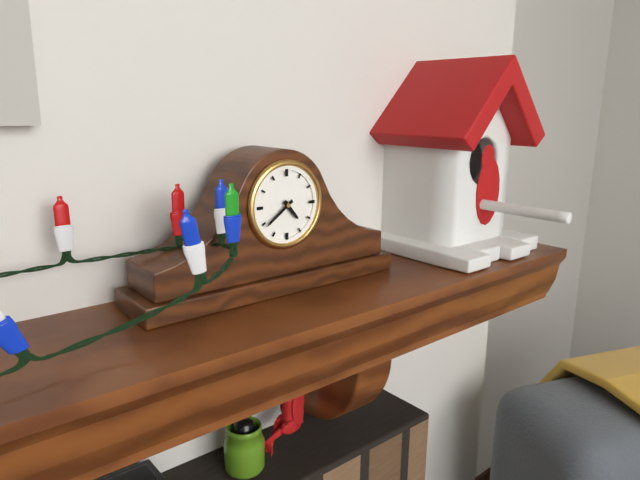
4:39
